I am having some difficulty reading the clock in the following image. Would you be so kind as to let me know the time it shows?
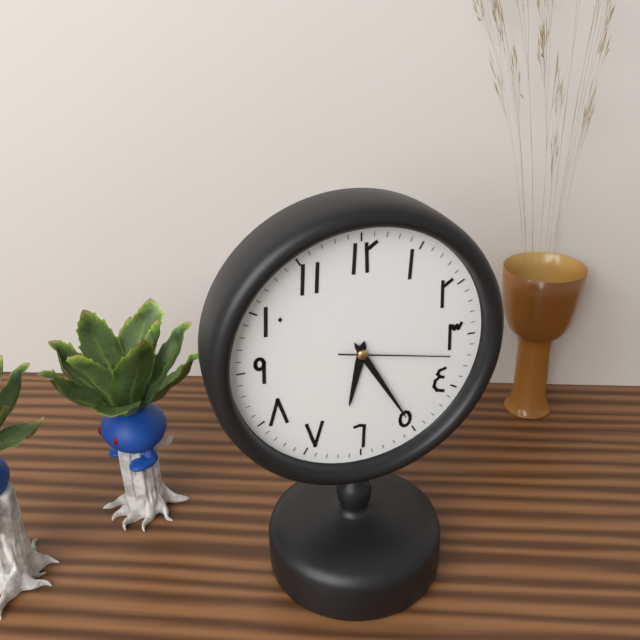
6:25:17
